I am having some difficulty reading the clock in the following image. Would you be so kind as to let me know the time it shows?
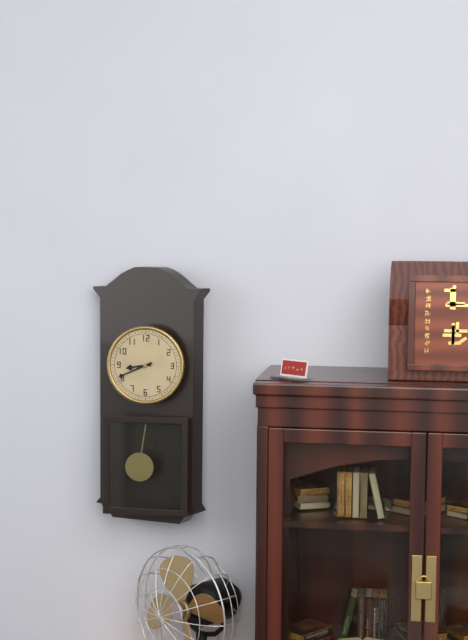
8:41
